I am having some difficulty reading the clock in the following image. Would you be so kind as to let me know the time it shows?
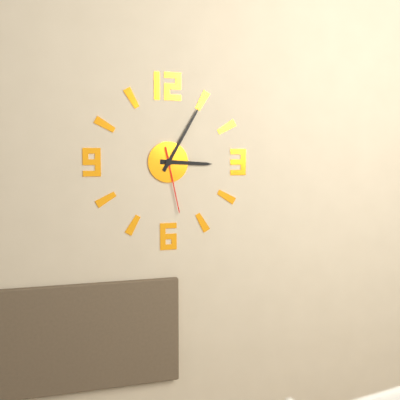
3:05:28
